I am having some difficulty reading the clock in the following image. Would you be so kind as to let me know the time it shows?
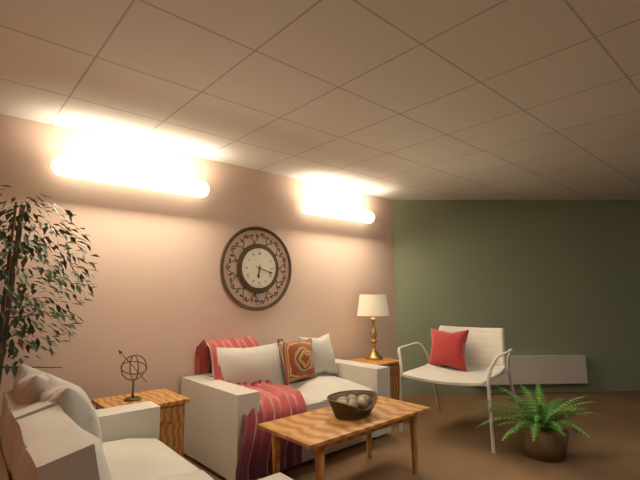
6:18
